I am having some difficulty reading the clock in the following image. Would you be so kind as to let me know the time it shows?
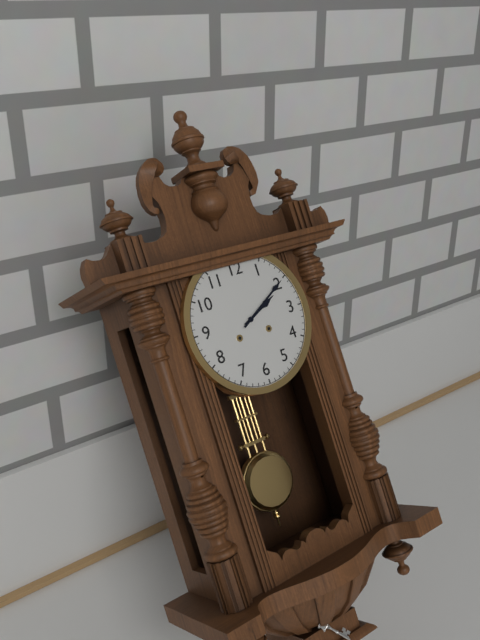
2:10
